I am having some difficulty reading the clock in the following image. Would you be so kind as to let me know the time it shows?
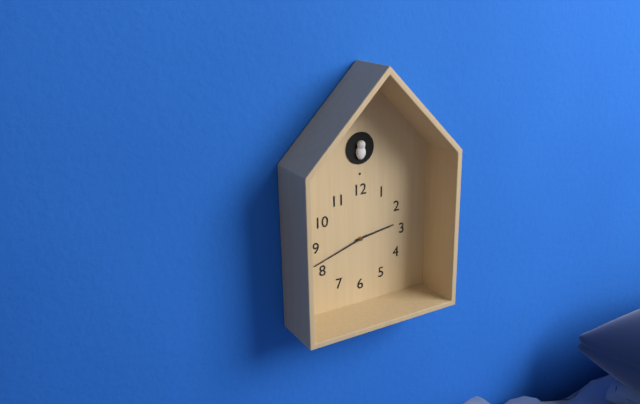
2:42
